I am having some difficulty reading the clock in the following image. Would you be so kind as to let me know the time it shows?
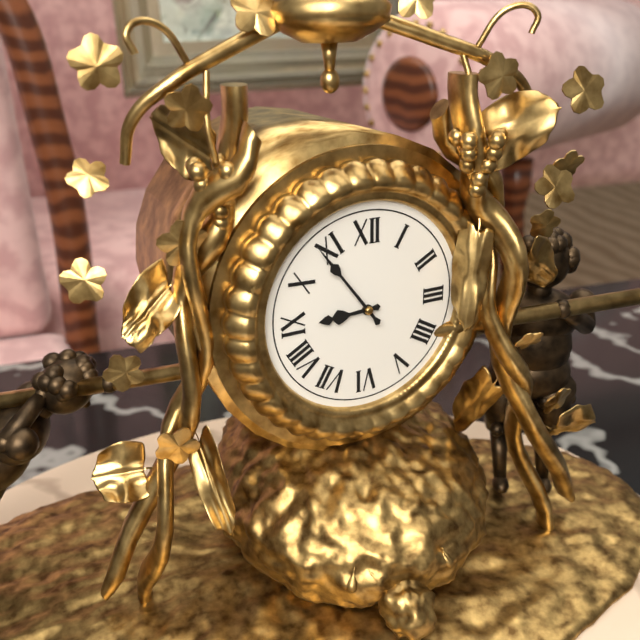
8:54
